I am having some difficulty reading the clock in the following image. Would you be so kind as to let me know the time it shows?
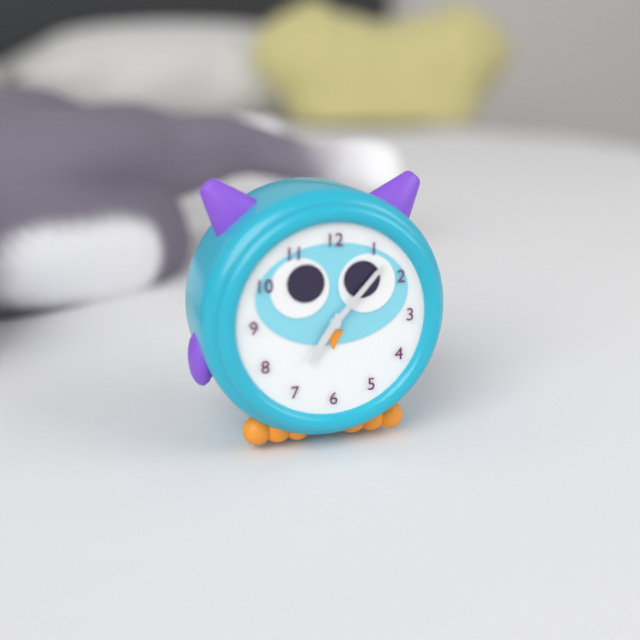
7:07
